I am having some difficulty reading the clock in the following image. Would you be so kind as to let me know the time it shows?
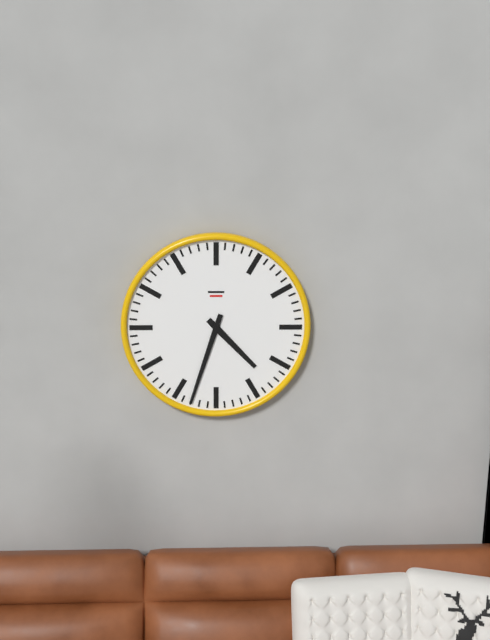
4:33
